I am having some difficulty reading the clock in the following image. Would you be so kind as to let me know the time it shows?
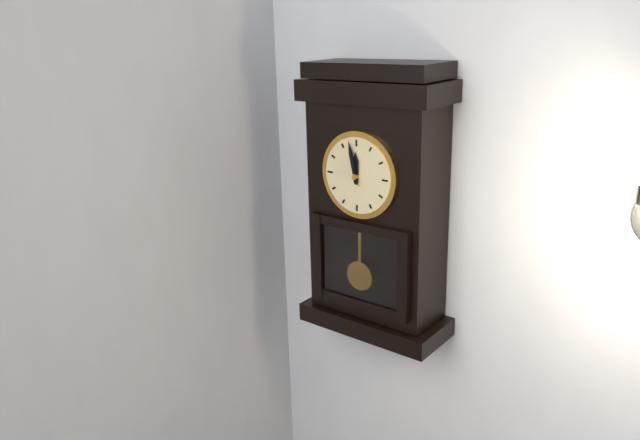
11:58
